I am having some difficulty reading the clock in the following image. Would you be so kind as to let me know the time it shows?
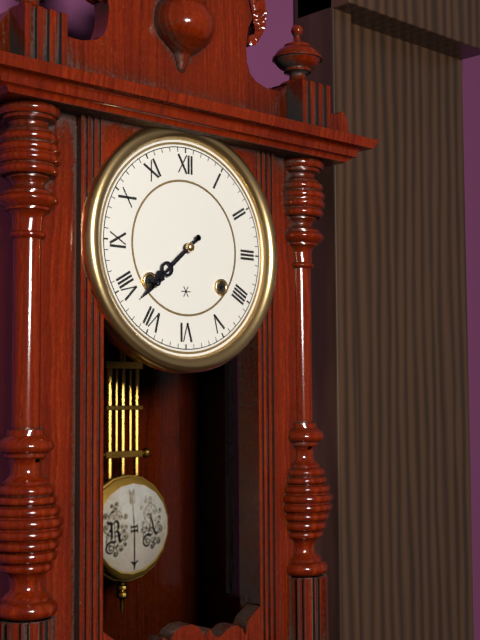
7:38
